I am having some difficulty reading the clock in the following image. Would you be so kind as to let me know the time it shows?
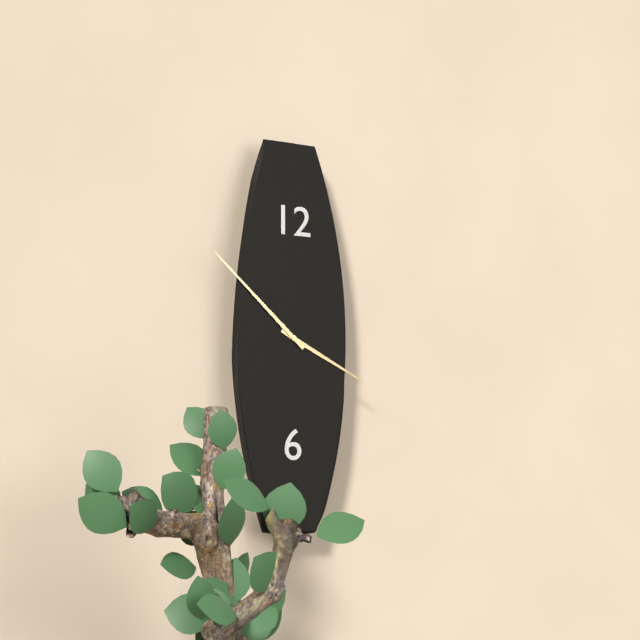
3:52
